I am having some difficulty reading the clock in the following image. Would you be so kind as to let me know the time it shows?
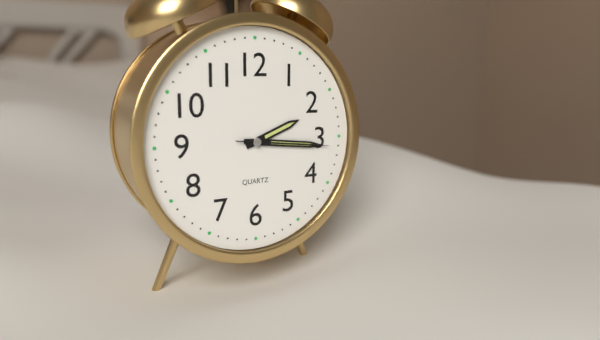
2:16:16
